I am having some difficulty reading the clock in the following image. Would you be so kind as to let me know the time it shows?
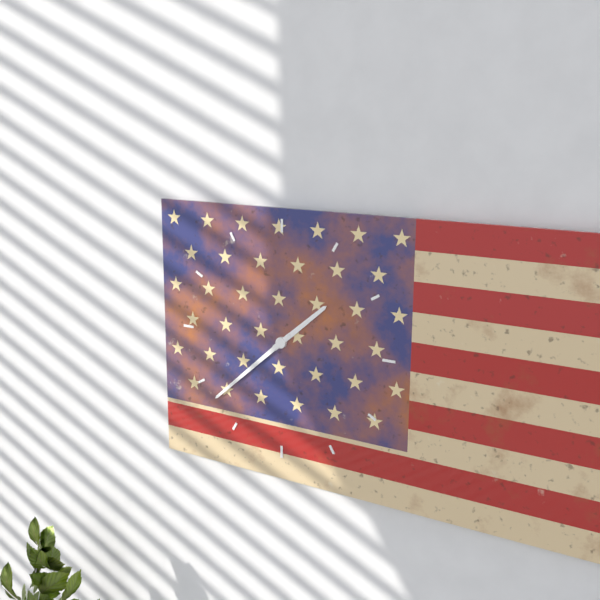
1:38
